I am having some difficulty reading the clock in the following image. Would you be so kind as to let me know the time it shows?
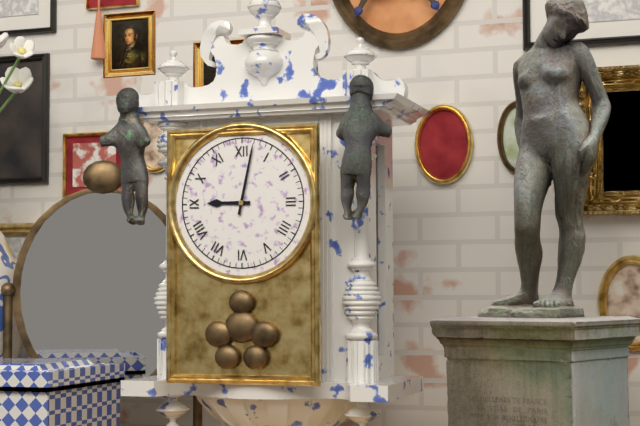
9:02
